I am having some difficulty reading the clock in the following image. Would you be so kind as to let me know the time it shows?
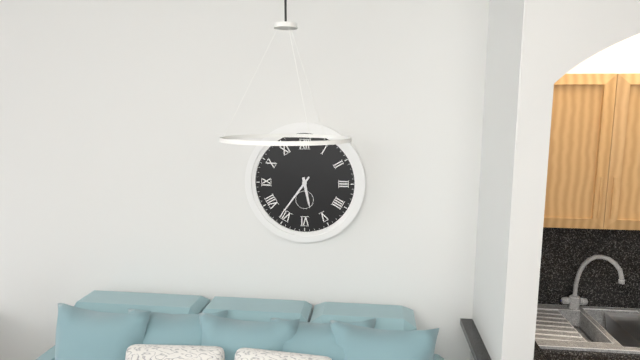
5:36
